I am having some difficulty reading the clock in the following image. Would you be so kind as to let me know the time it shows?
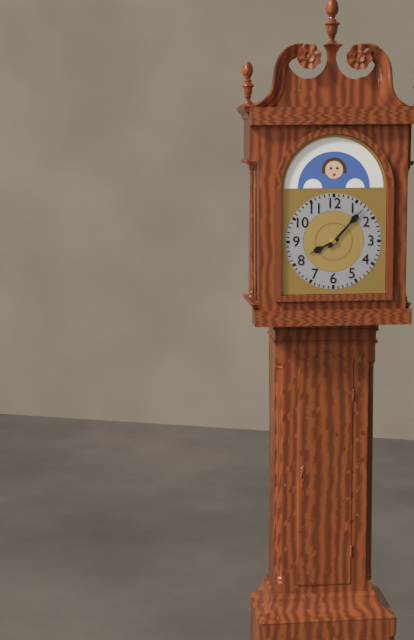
8:07
